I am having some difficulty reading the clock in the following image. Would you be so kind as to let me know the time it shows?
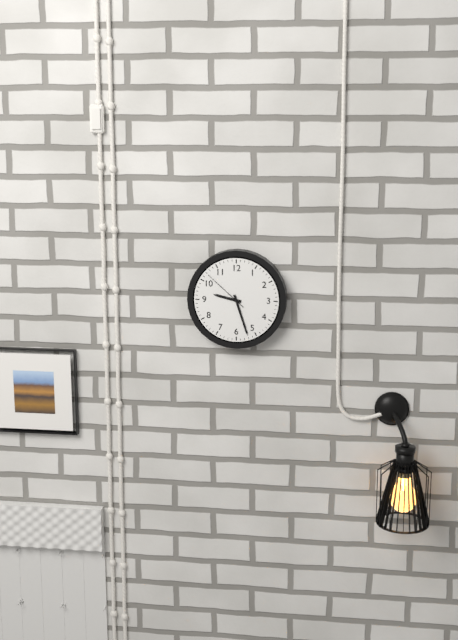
9:27
